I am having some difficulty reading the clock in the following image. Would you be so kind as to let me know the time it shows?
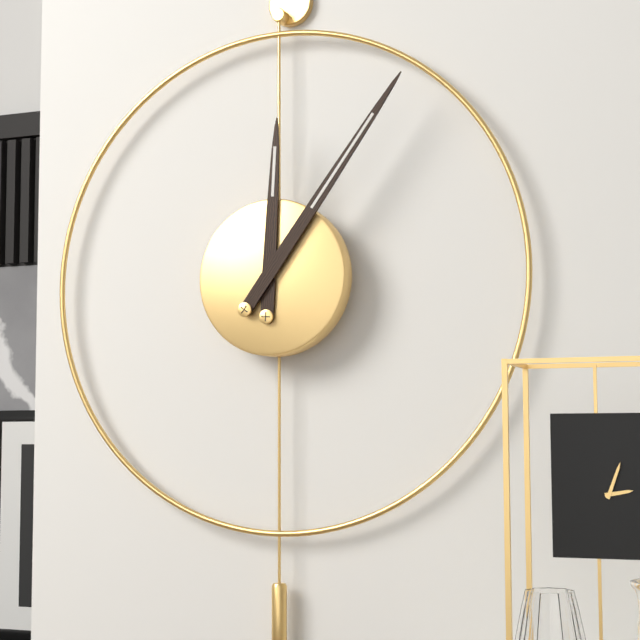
12:06
